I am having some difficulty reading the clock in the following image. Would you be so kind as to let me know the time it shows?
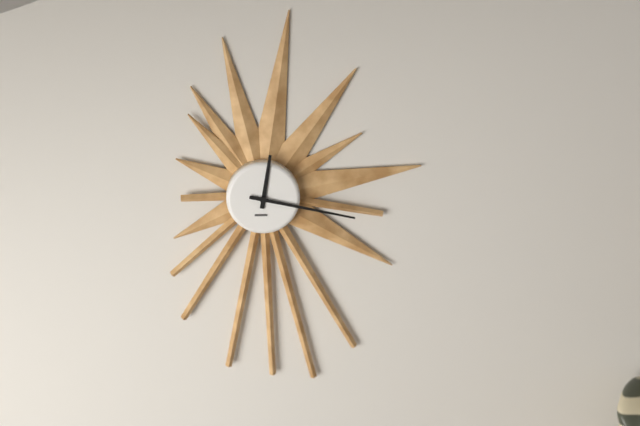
12:17
